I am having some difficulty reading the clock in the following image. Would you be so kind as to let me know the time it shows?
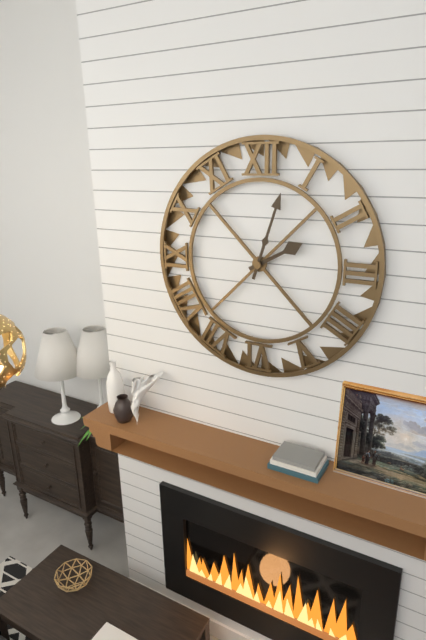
2:03
